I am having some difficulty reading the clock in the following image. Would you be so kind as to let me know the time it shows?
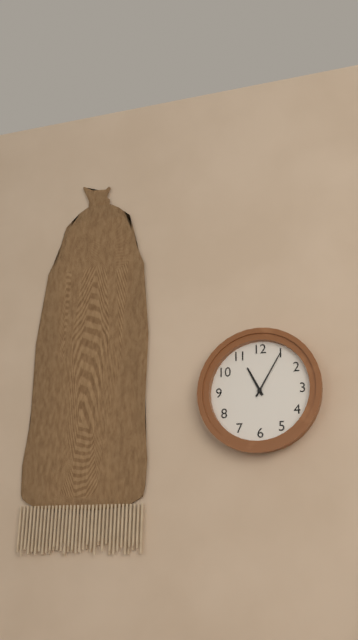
11:05
